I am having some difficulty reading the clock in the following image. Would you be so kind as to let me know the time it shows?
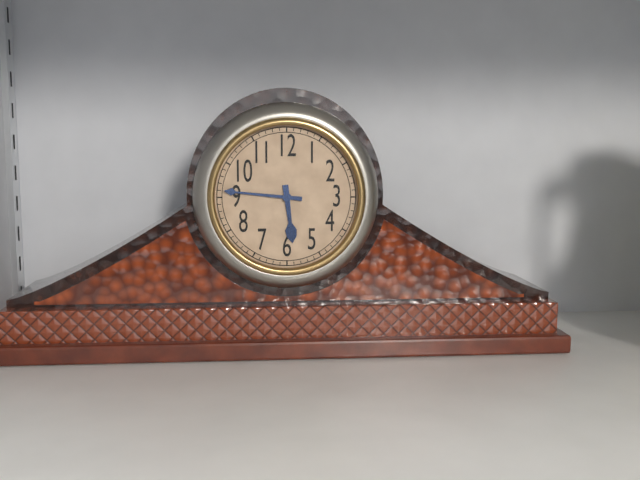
5:46
